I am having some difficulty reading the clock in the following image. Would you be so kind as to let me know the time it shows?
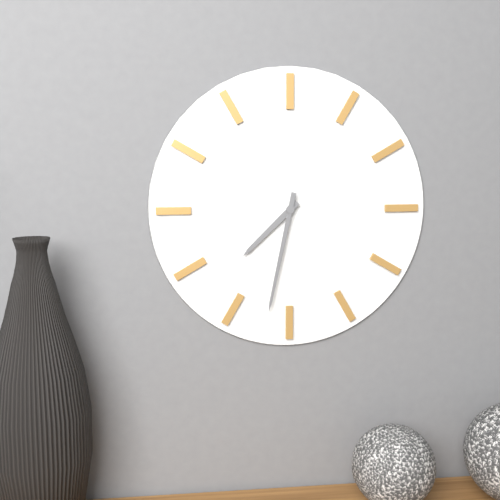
7:32
